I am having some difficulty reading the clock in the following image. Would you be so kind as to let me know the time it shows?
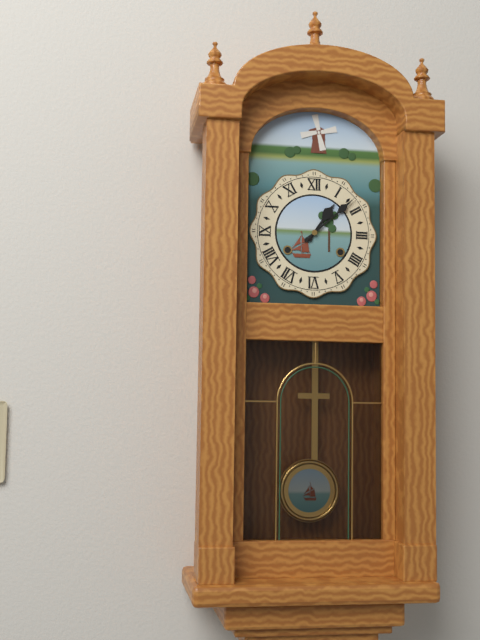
1:08
